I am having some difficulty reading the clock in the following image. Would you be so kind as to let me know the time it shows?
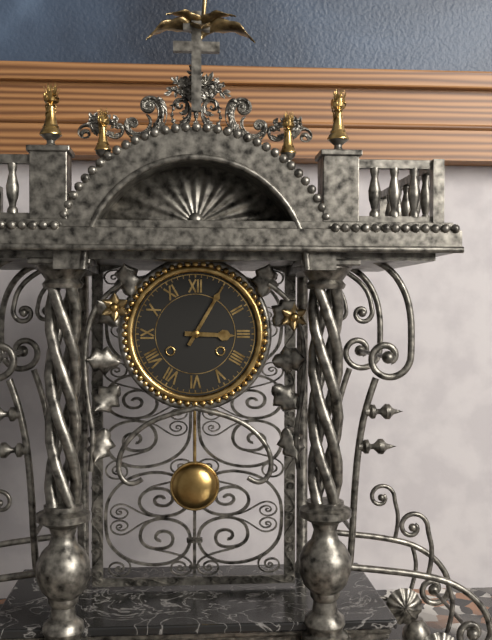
3:05
